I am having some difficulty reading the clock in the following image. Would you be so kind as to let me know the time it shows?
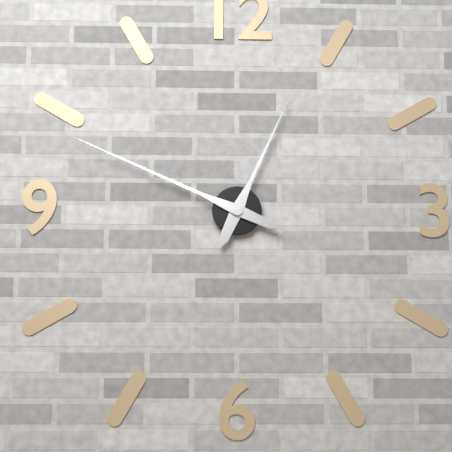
12:49
